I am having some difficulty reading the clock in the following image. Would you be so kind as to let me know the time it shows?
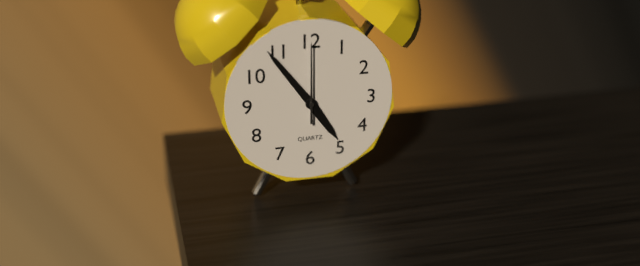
4:54:00
